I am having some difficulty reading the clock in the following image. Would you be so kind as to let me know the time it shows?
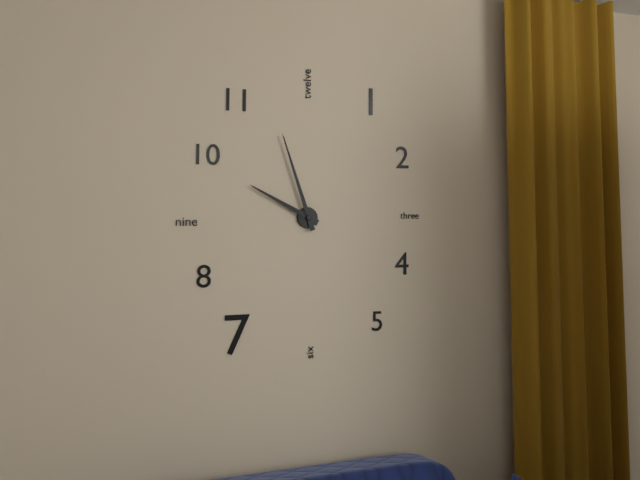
9:57
